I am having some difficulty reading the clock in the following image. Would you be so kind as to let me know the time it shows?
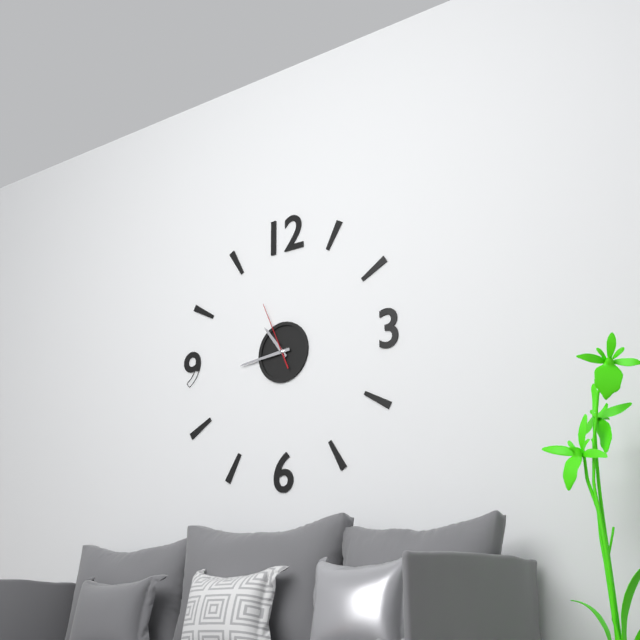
10:44:56
